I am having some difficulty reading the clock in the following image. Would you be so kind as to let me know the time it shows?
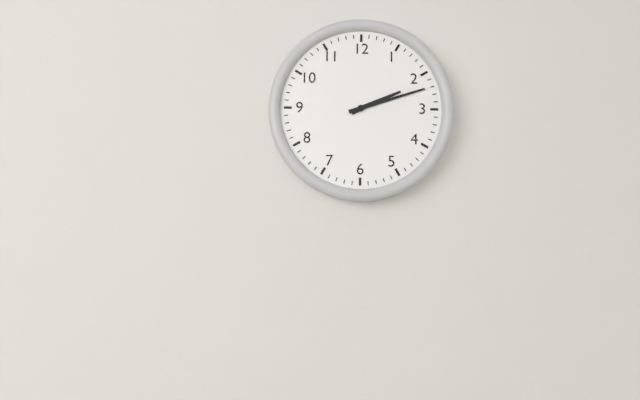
2:12
